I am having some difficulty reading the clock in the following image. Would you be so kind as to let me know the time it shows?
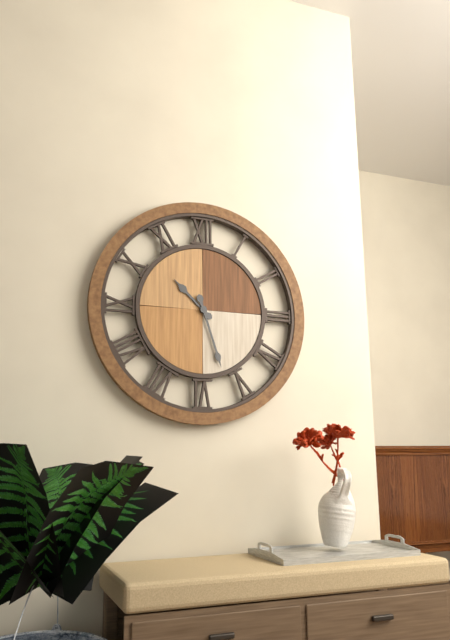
10:27
